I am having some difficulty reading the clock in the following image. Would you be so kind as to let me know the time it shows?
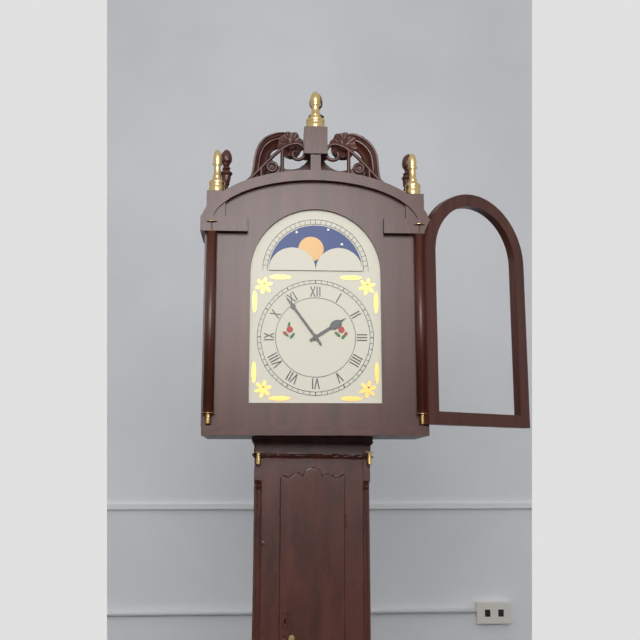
1:54
